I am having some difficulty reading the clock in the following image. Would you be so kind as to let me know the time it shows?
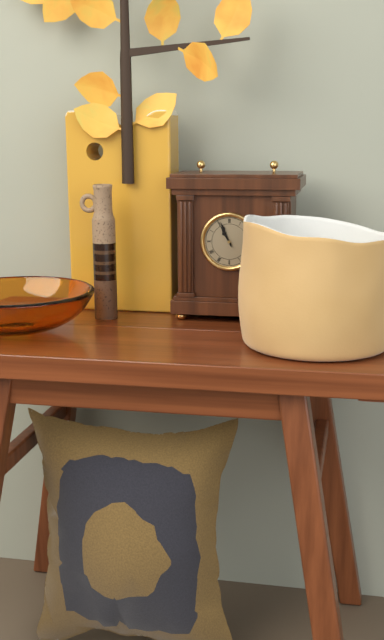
10:56
